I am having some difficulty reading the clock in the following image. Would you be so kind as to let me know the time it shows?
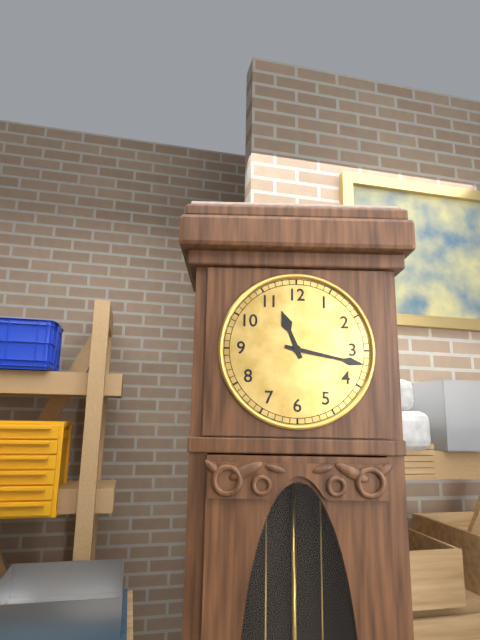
11:17
